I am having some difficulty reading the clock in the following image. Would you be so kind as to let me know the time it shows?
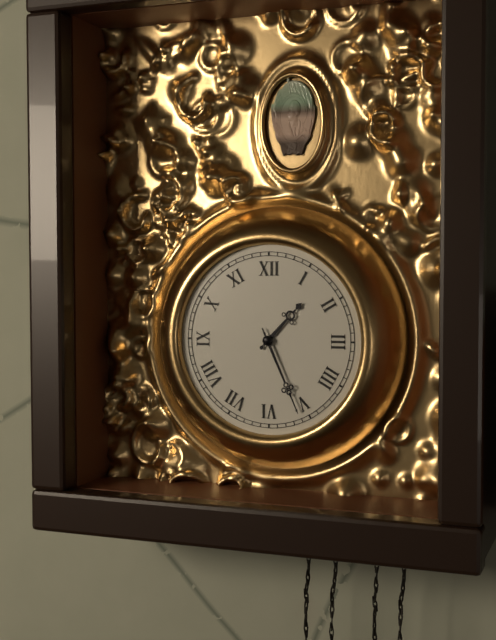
1:26
